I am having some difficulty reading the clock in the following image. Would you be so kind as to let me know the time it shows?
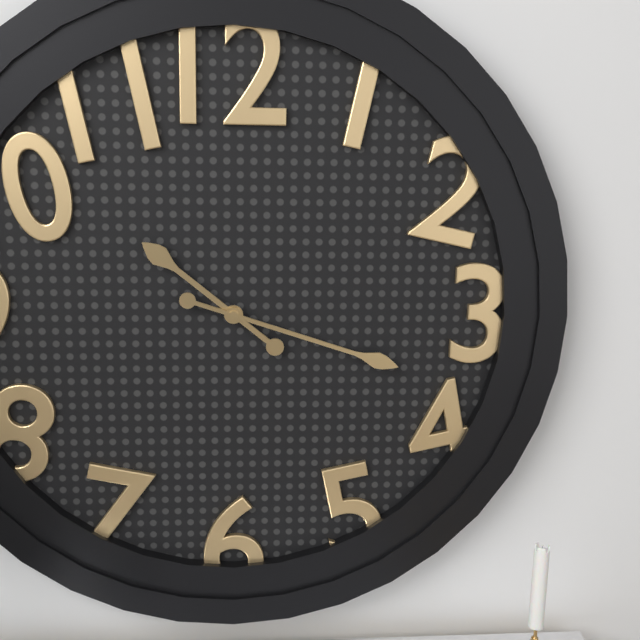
10:18
